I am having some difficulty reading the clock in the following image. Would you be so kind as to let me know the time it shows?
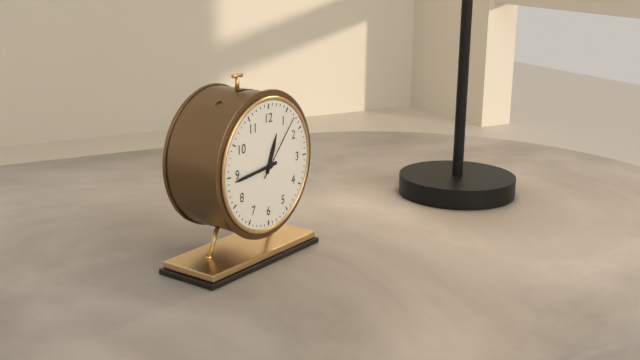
12:44:07
